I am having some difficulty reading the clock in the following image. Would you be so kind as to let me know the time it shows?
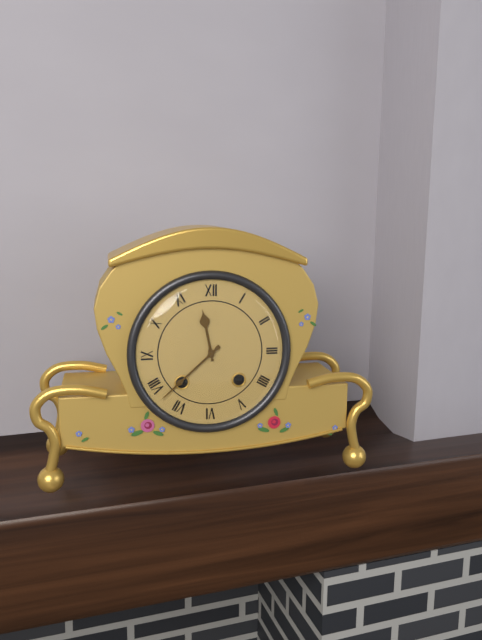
11:38
